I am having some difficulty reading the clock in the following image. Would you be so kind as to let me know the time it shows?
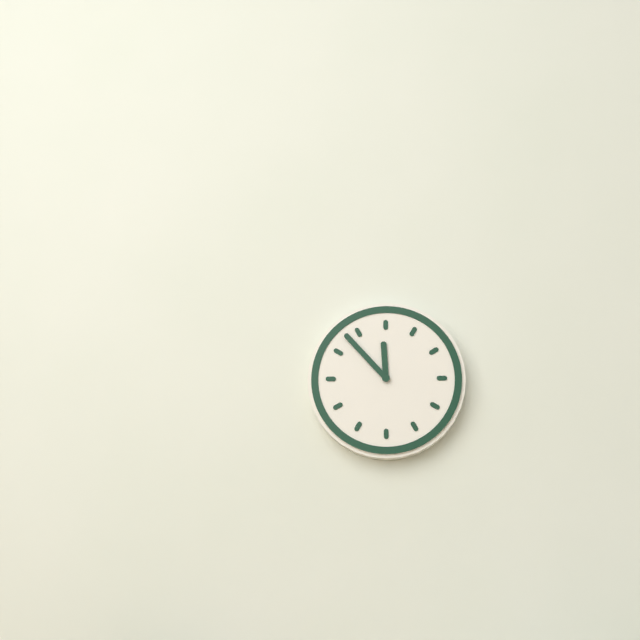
11:53
